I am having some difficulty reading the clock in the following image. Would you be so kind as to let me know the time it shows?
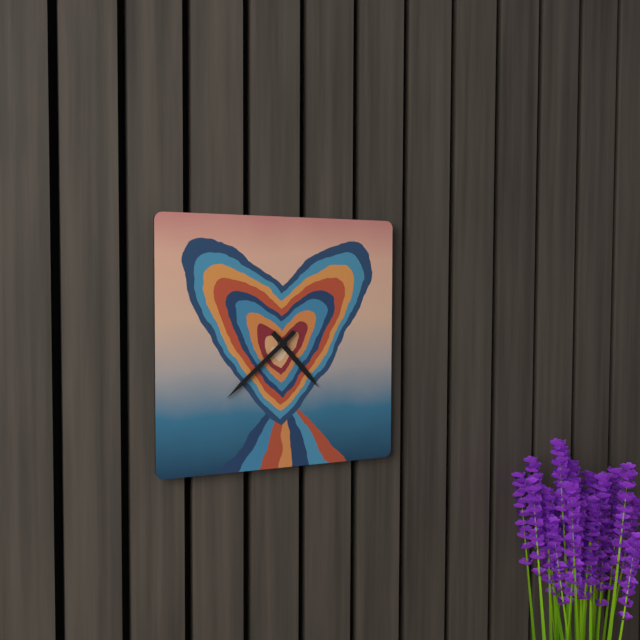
4:38
